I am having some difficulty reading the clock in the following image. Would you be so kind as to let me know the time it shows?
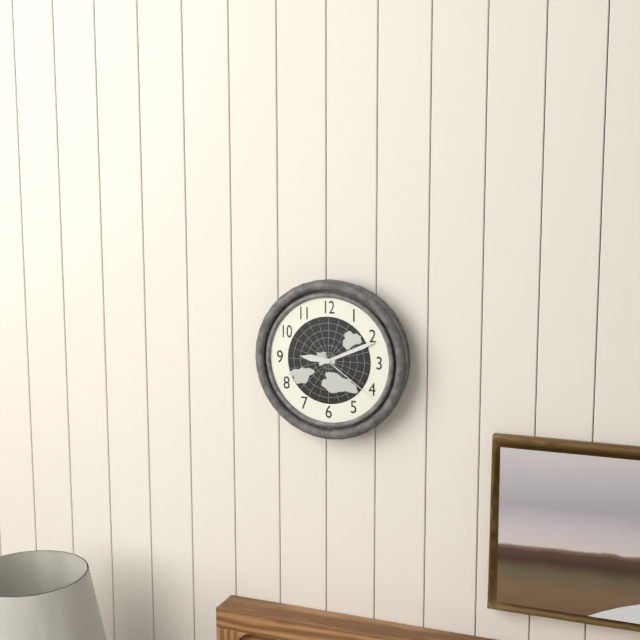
9:11:21
